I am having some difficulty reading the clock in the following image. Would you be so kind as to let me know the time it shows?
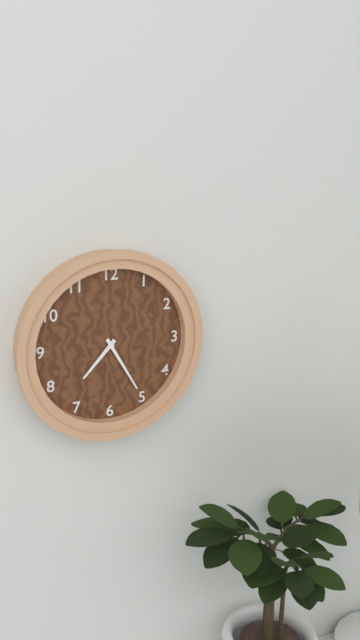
7:25
